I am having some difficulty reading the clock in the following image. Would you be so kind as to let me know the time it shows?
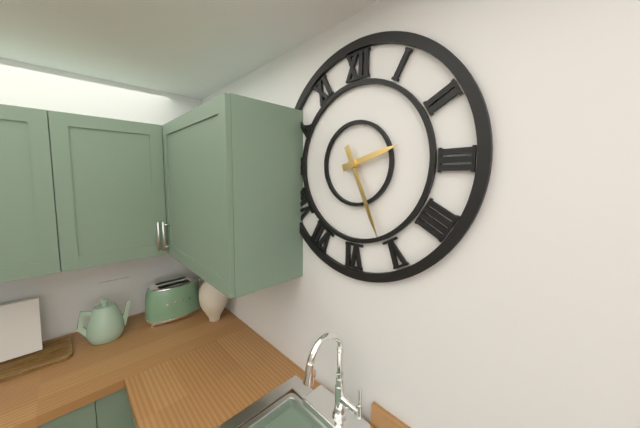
2:26
